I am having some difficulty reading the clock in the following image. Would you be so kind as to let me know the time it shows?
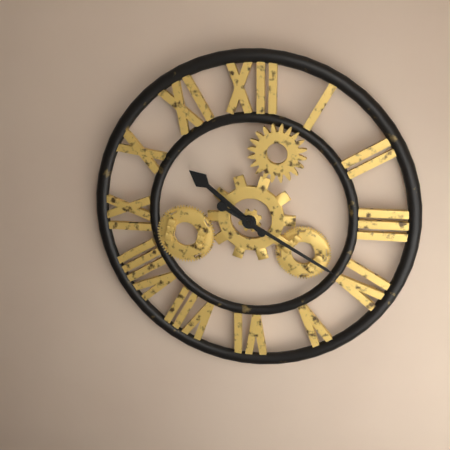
10:20
